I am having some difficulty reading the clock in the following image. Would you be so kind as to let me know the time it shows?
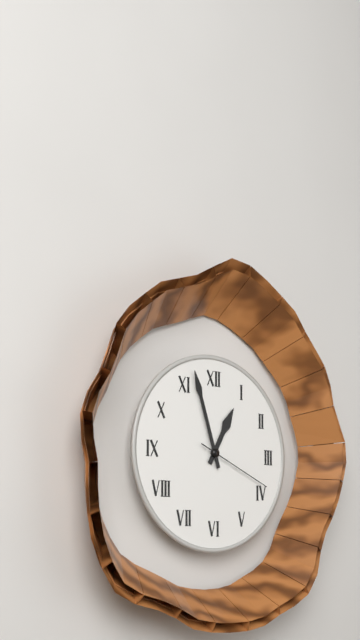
12:57:19
